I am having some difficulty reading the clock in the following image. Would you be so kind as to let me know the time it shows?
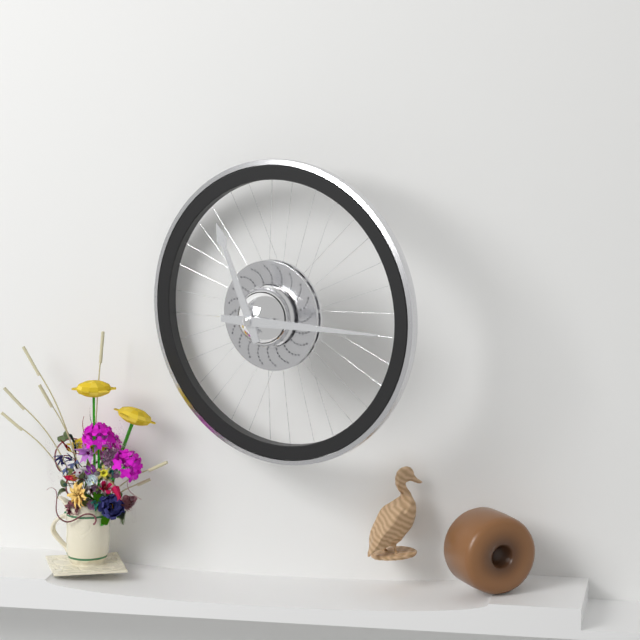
11:15
